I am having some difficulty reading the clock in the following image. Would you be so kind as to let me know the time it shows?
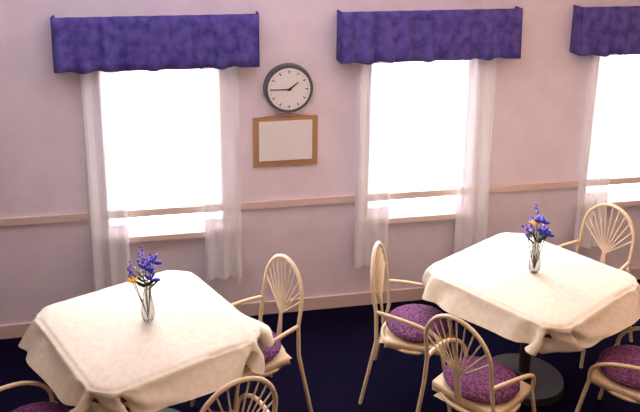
1:45
